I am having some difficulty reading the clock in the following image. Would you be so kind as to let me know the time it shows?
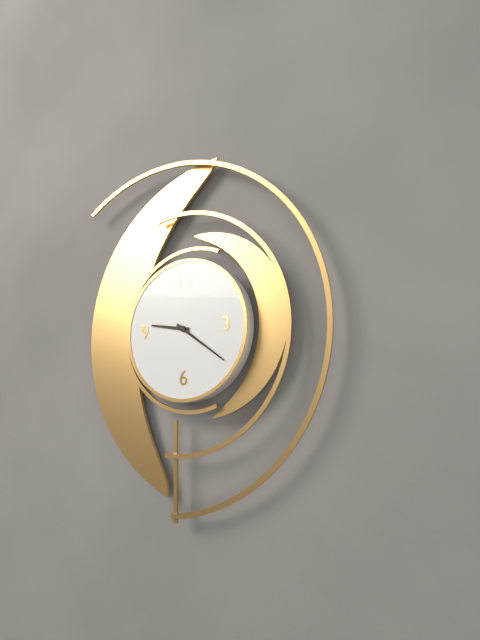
9:21
